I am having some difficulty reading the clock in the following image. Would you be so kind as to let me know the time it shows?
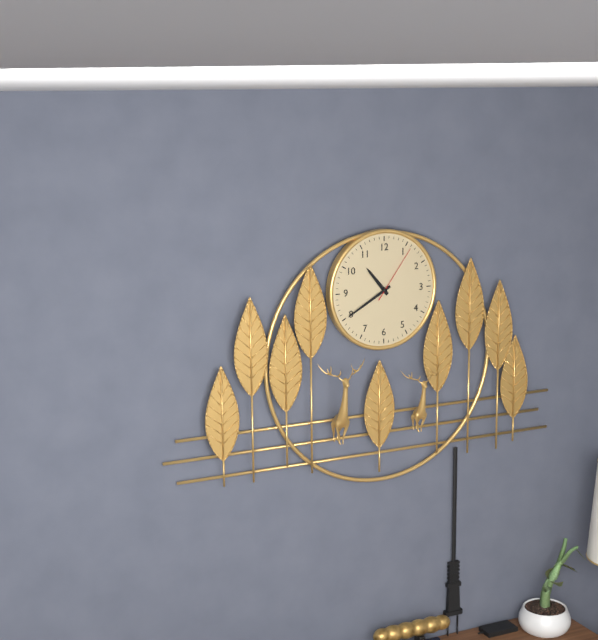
10:40:06
